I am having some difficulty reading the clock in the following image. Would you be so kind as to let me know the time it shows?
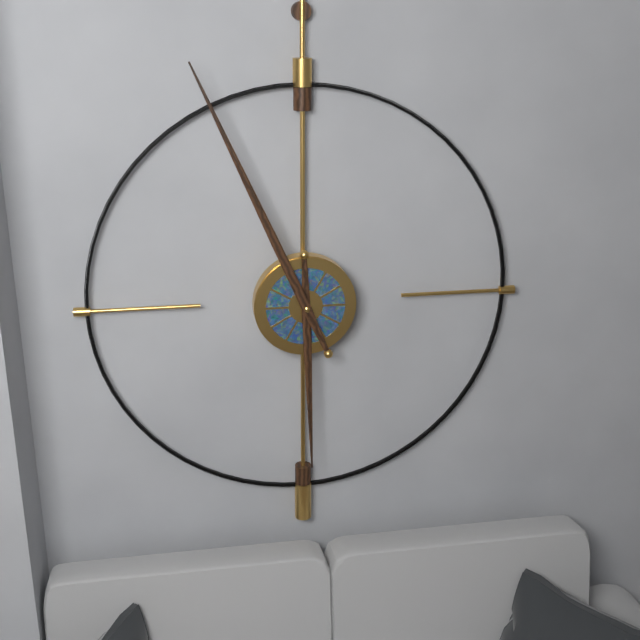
5:56
